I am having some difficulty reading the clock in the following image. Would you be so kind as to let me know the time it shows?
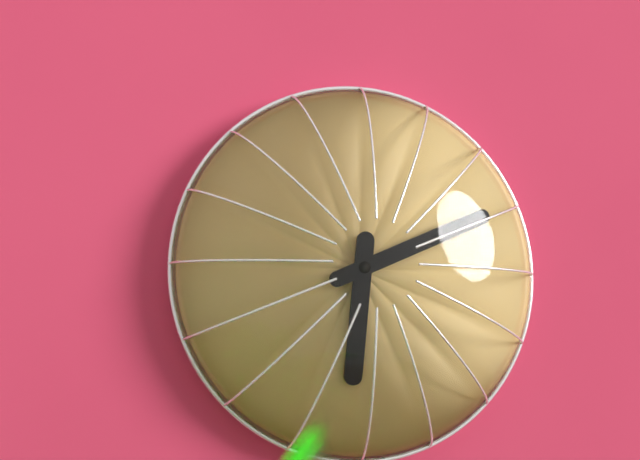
6:11
